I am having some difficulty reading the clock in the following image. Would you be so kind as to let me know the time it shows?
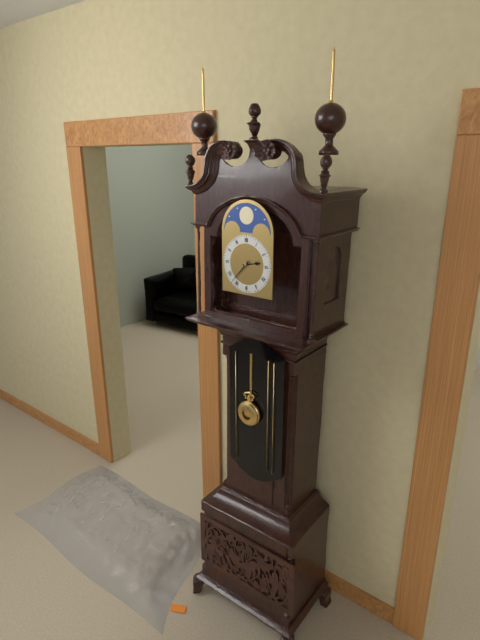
2:37
